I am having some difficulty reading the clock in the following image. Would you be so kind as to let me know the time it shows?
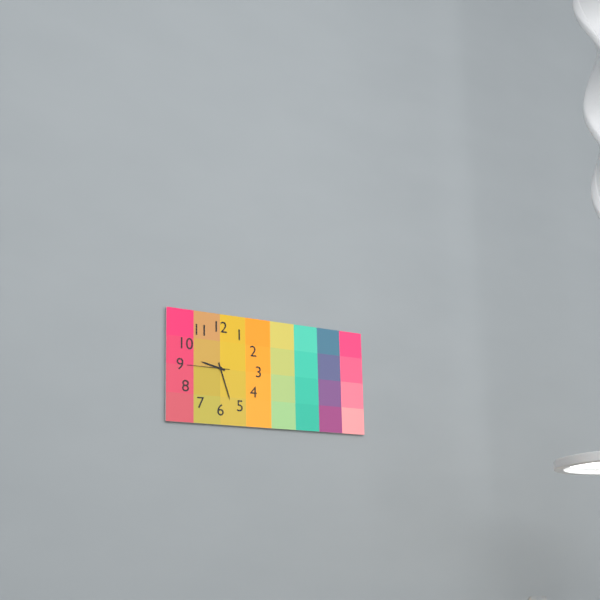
9:27
